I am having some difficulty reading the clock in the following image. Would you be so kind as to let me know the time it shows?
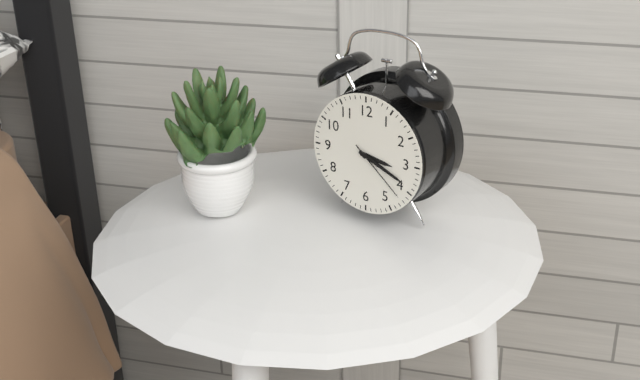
3:19:22
